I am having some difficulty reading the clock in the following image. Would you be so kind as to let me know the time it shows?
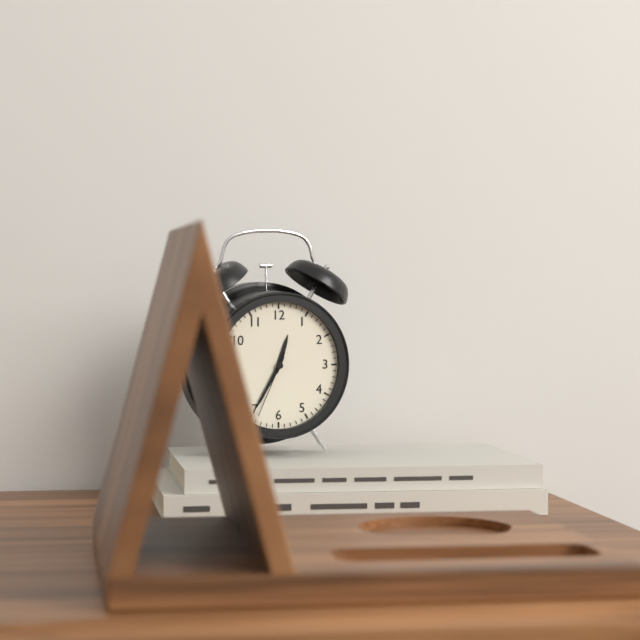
12:35:34
